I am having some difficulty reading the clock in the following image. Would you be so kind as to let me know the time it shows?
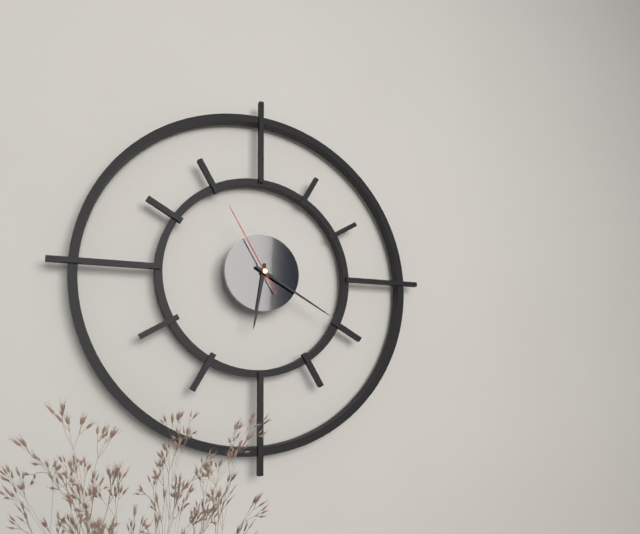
6:20:55
